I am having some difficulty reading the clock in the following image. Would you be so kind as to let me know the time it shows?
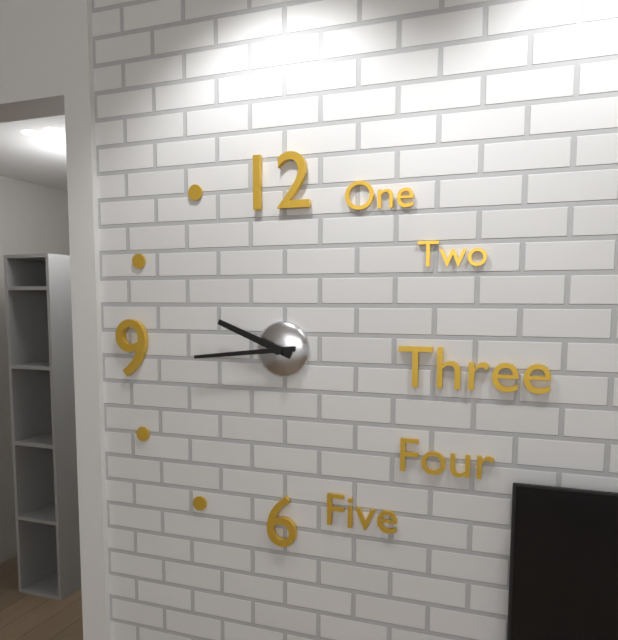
9:44
